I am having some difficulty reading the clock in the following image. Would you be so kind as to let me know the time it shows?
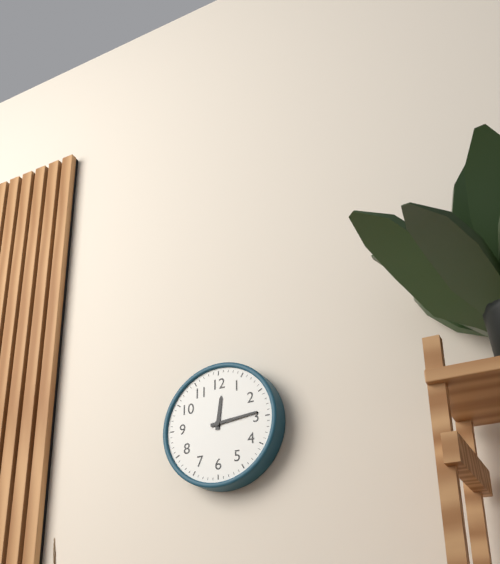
12:14
